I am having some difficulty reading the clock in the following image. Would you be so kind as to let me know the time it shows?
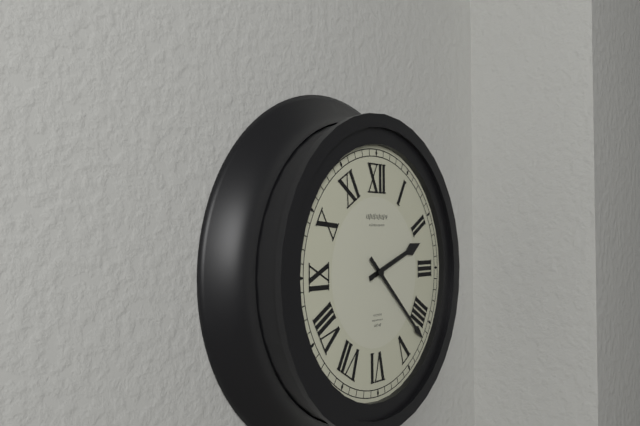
2:22
